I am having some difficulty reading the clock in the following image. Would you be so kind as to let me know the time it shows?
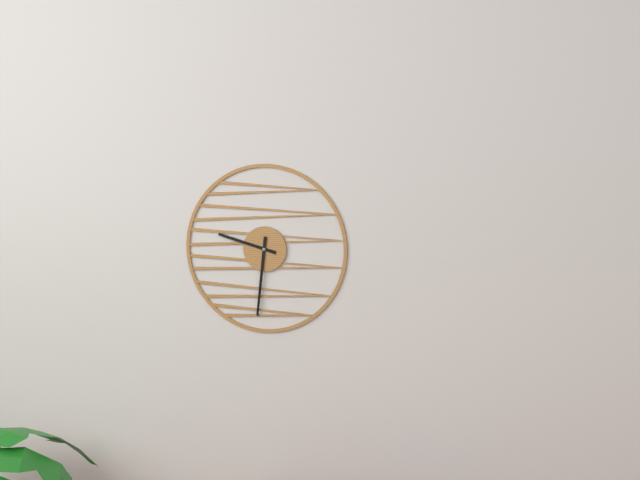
9:31
